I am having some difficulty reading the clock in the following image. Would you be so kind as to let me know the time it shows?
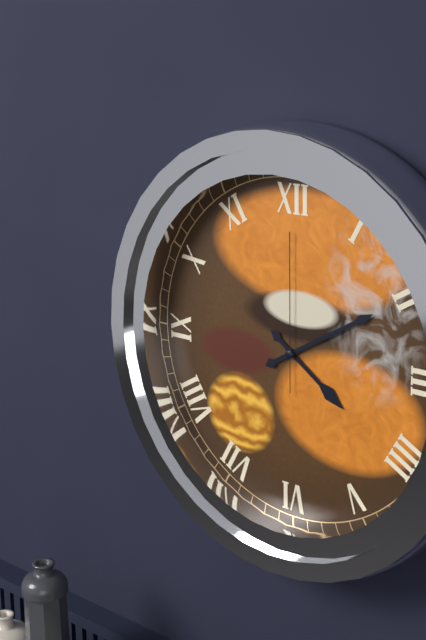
4:10:00
